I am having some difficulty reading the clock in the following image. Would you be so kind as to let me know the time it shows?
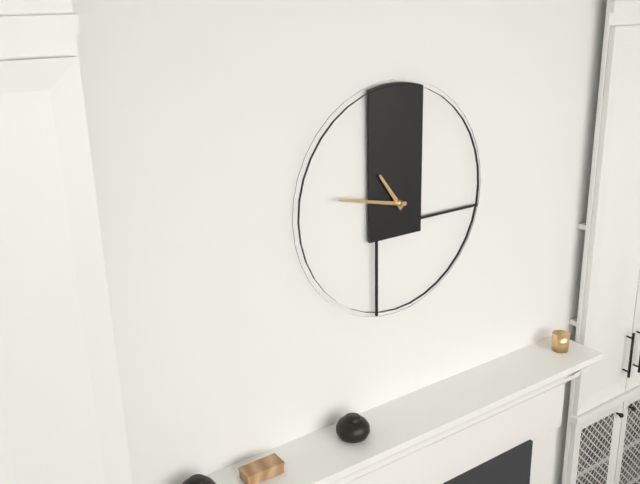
10:47
